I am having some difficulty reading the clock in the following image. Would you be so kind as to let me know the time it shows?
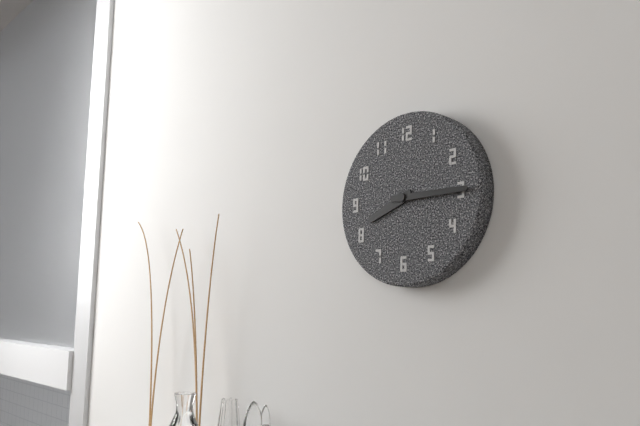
8:15
